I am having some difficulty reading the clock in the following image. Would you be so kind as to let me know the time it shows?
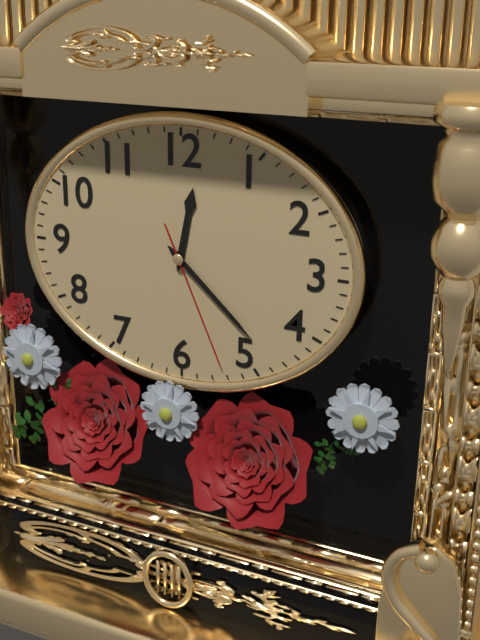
12:22:26
